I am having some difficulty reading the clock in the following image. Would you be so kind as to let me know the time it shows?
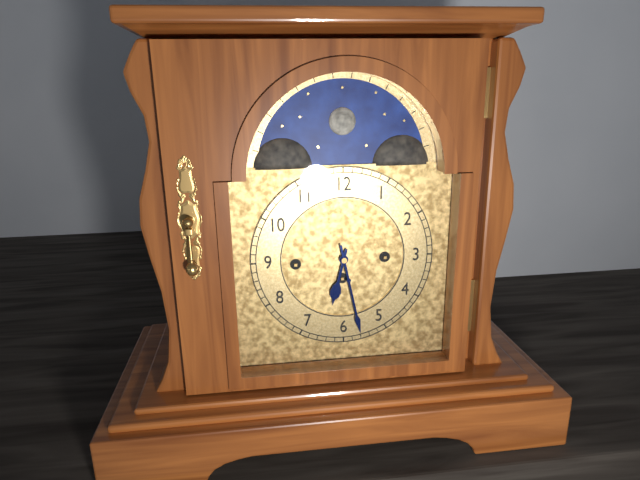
6:28
